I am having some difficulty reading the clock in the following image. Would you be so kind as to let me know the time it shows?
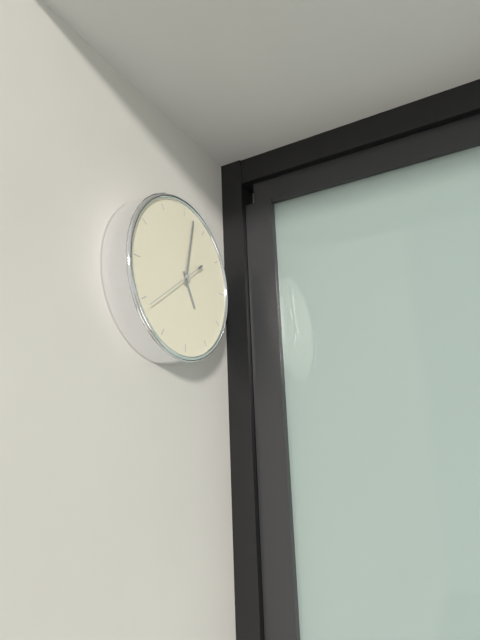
5:02:39
